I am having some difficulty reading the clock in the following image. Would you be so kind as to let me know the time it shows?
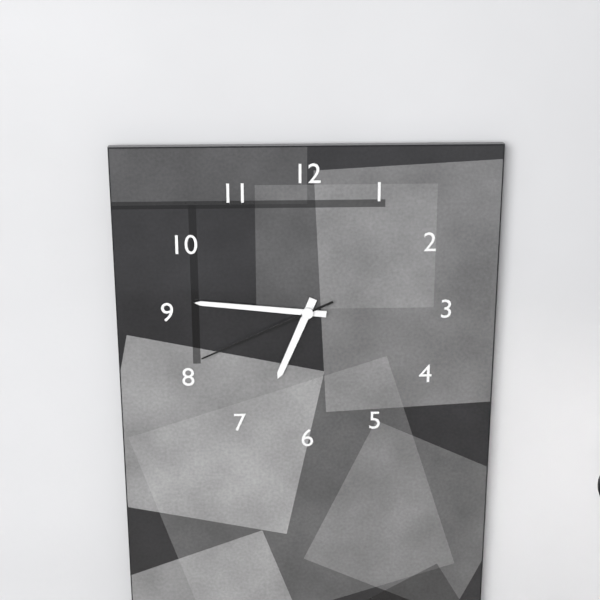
6:46:41
